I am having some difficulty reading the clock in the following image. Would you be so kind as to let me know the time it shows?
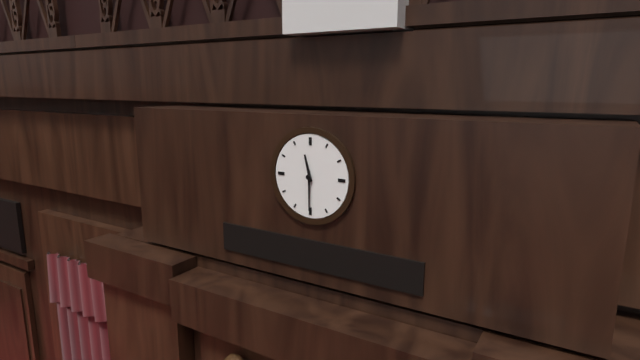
11:30
